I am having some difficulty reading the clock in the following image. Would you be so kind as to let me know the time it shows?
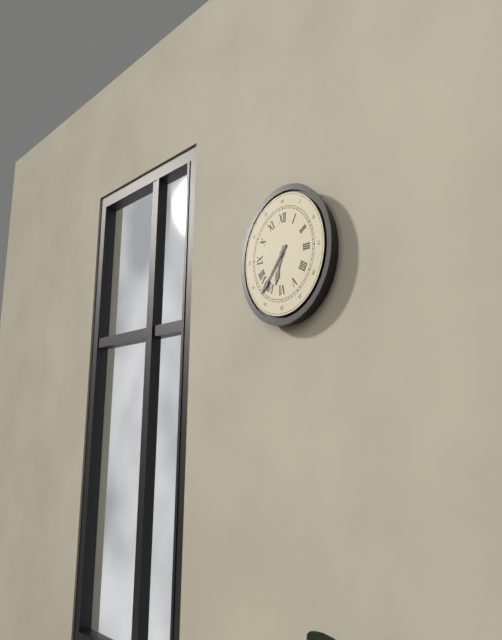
6:37
